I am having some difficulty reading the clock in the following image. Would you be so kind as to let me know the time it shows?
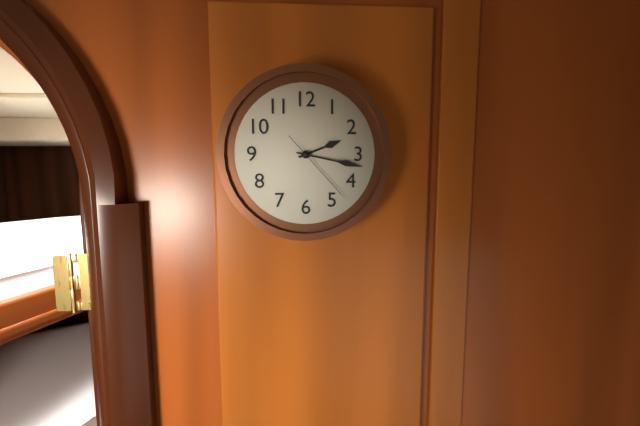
2:17:23
